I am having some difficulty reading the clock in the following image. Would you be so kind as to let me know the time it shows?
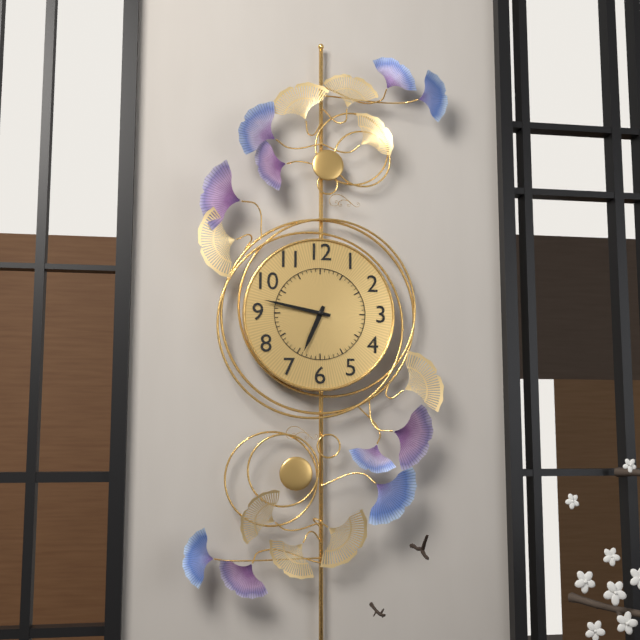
6:47
